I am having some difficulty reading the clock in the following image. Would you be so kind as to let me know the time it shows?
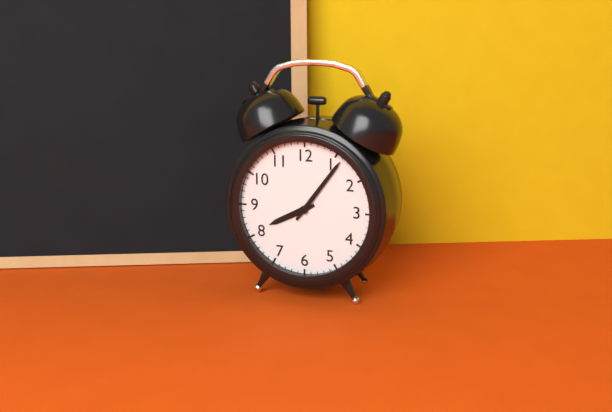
8:06
